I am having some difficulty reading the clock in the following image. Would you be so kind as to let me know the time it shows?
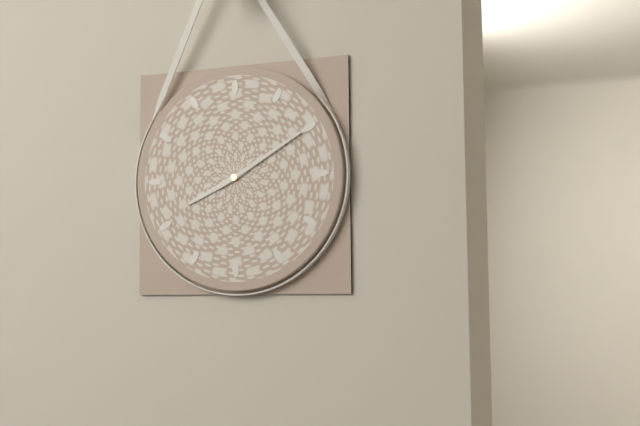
8:10
